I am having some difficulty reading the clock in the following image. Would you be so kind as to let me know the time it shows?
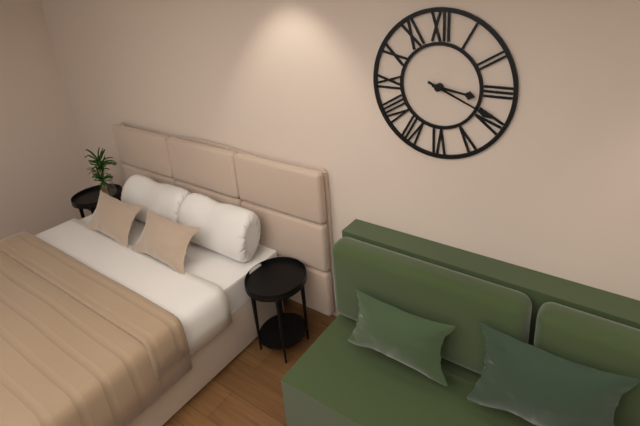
3:19
